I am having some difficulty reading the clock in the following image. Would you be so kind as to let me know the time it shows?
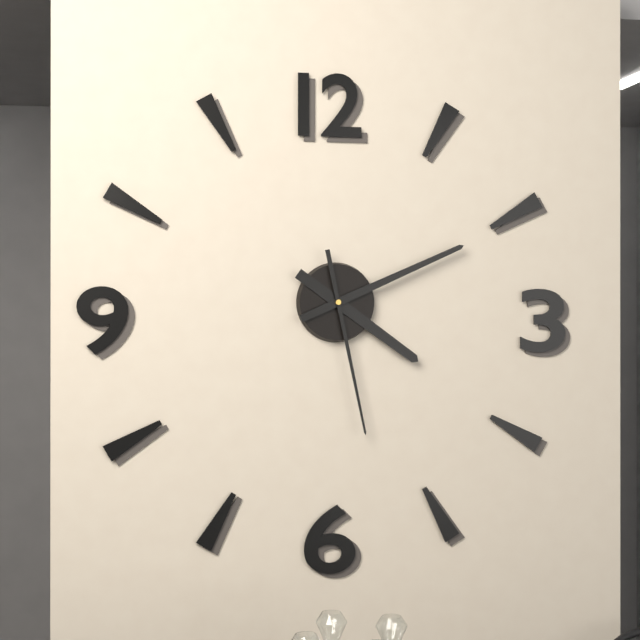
4:11:28
